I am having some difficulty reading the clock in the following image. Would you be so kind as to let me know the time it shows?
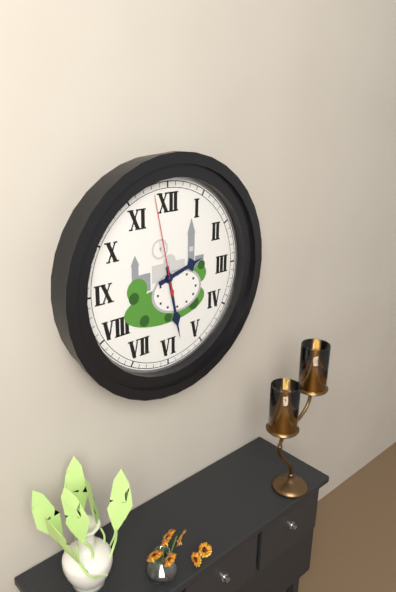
2:28:58
